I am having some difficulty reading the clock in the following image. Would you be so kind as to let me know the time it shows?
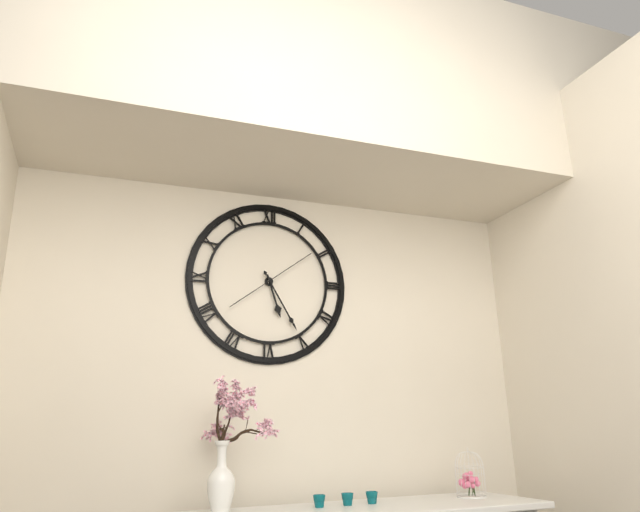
5:25:09
